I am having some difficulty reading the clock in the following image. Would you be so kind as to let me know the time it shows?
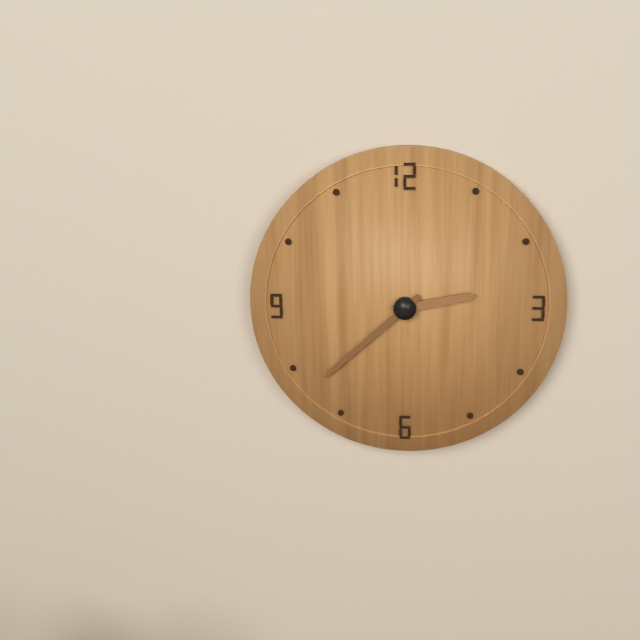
2:38
